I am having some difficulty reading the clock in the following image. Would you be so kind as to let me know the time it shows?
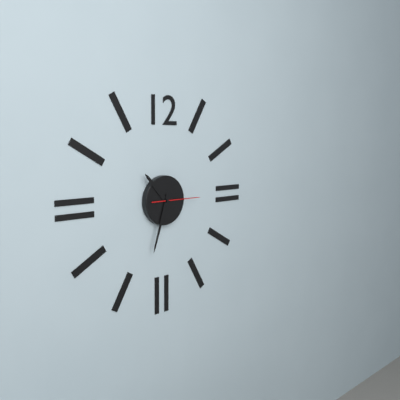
10:33
